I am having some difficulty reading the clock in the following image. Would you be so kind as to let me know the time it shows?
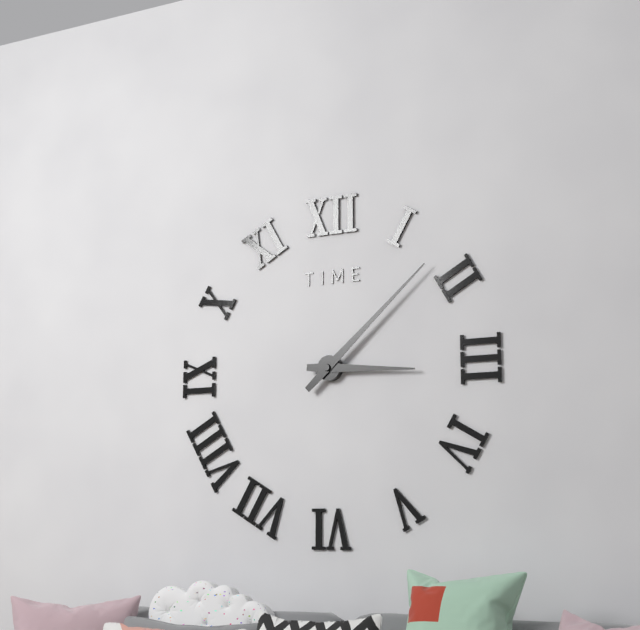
3:08
